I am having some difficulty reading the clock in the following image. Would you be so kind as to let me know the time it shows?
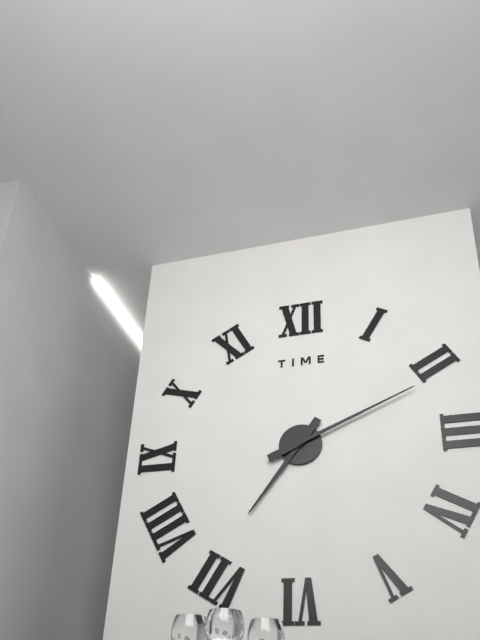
7:11
